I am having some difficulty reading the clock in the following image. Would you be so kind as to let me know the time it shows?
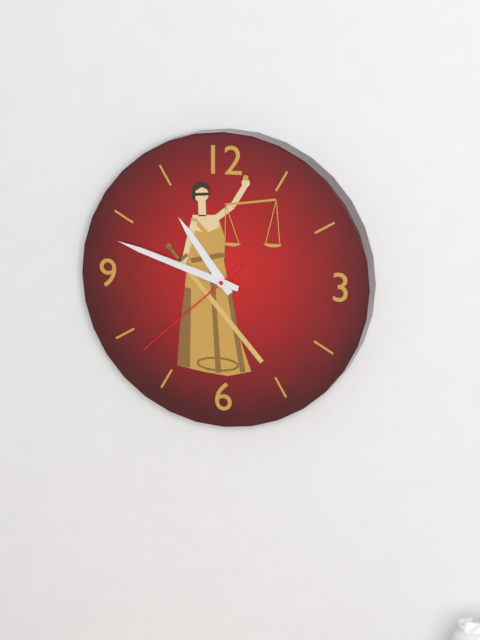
10:48:38
